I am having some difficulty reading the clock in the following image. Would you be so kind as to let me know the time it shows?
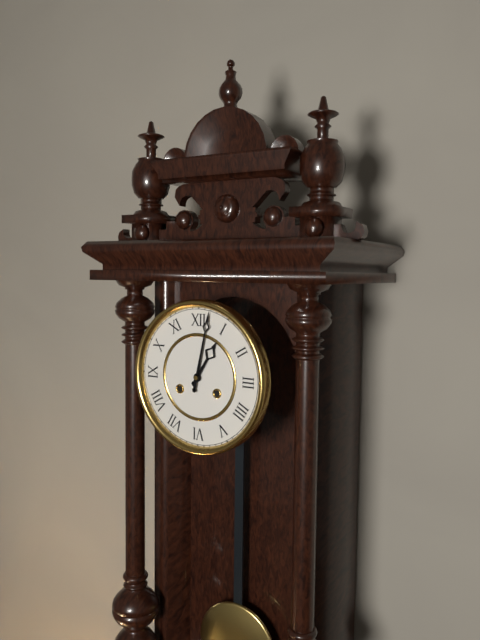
1:02
